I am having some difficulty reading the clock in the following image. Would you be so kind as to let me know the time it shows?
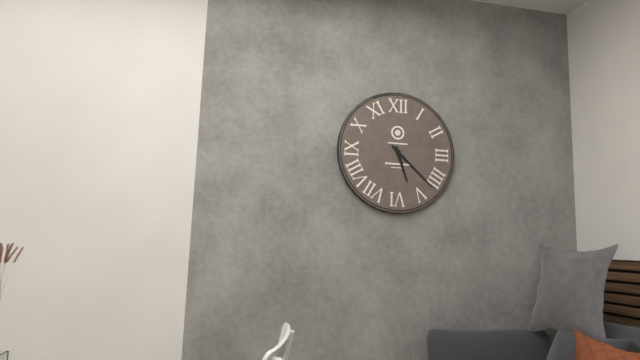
5:22
